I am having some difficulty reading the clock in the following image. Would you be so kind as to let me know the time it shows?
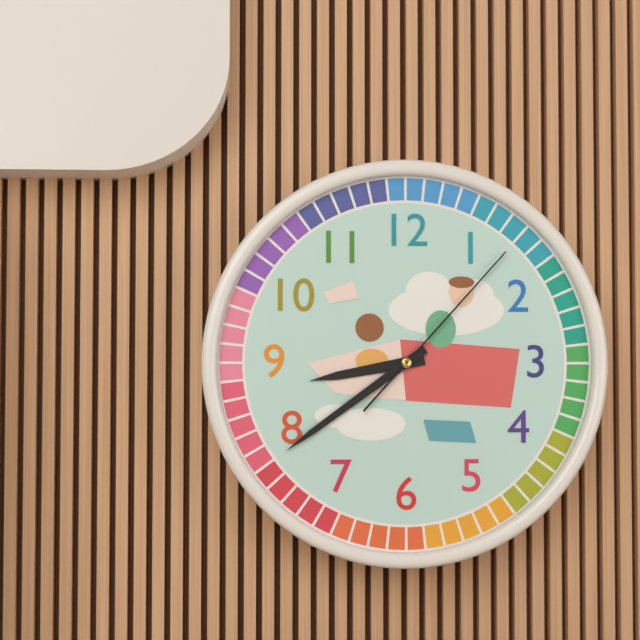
8:39:07
